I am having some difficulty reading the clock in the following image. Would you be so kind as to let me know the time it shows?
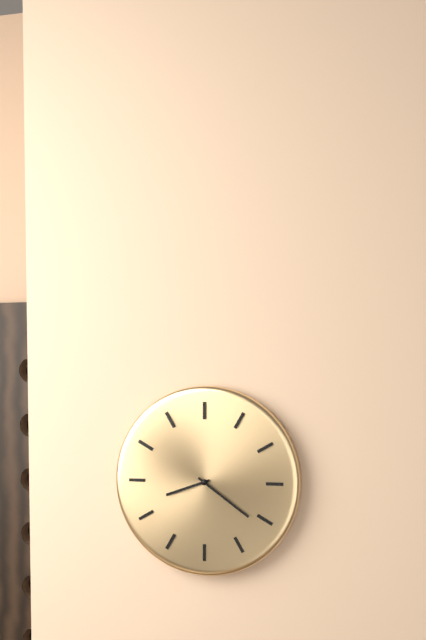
8:21
